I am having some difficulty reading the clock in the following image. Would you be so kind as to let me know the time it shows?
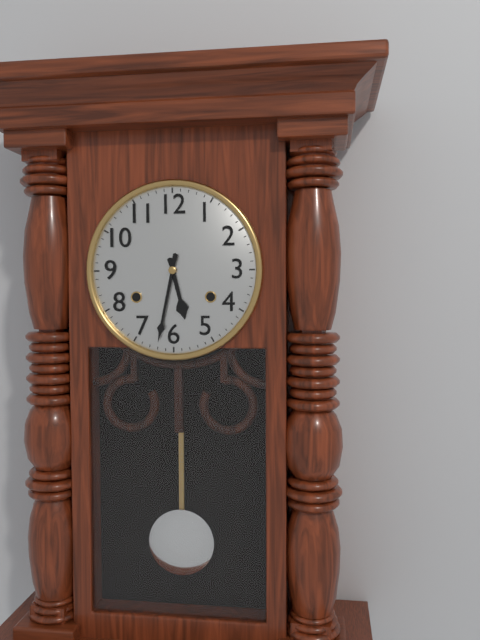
5:32
